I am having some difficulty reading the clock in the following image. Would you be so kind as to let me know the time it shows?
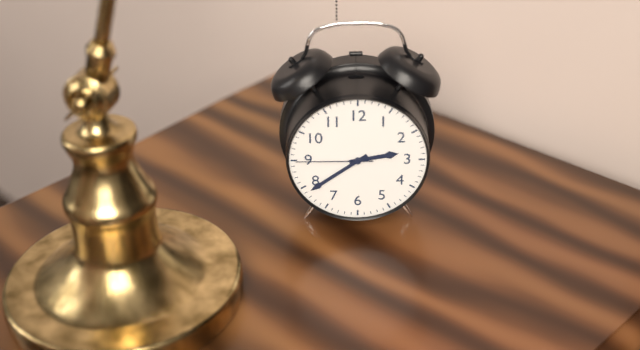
2:39:45
